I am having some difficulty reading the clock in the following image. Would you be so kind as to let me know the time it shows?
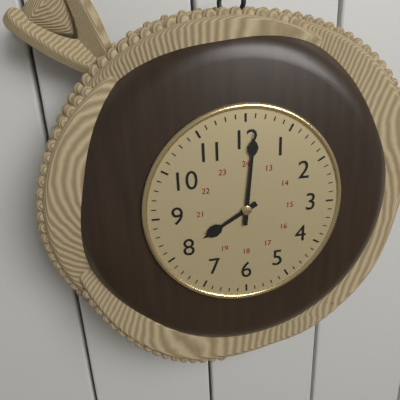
8:01
